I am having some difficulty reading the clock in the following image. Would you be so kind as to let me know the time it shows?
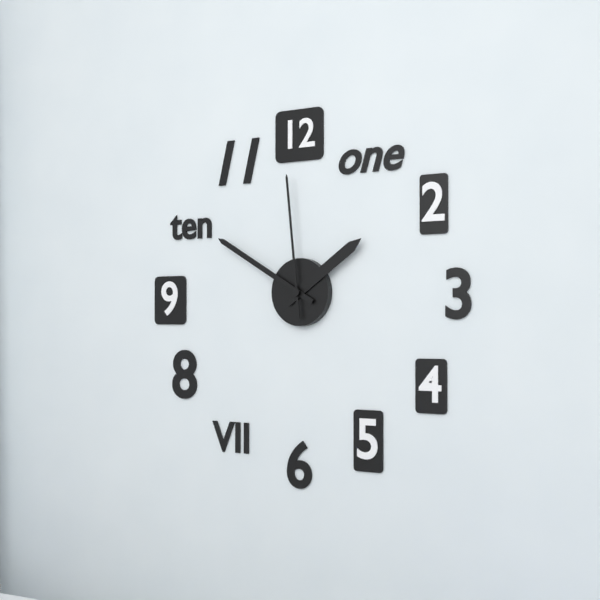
1:50:59
